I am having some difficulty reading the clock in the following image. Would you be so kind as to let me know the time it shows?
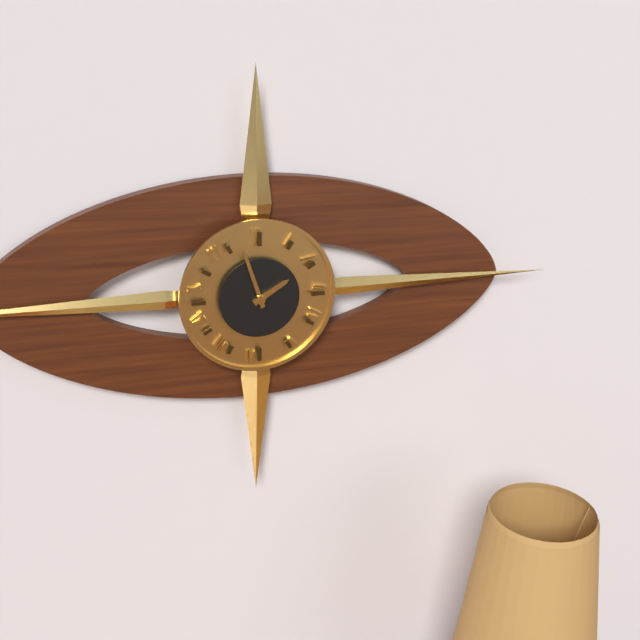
1:57
